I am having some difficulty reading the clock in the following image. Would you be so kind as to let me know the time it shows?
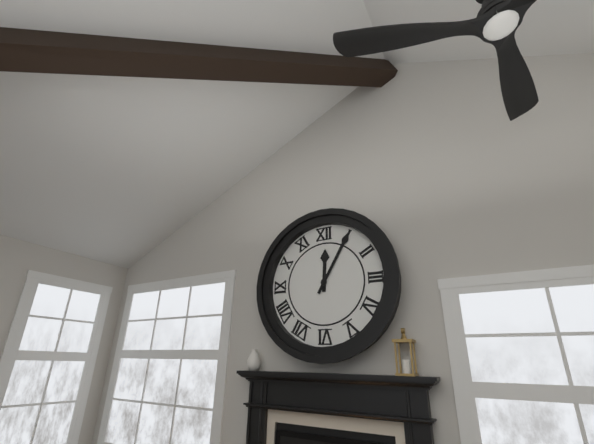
12:05
